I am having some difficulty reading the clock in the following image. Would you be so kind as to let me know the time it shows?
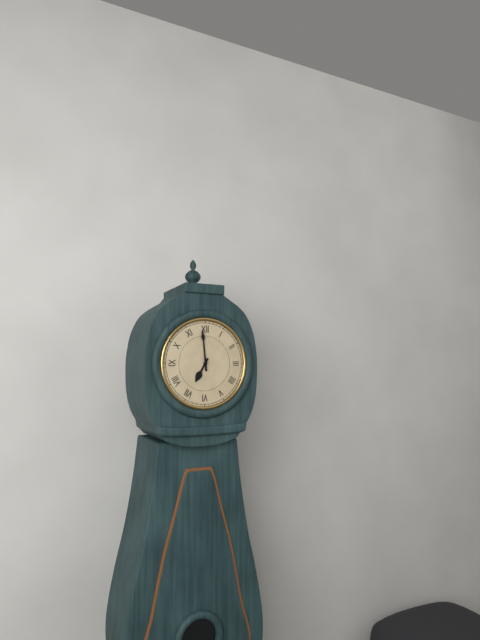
6:59
